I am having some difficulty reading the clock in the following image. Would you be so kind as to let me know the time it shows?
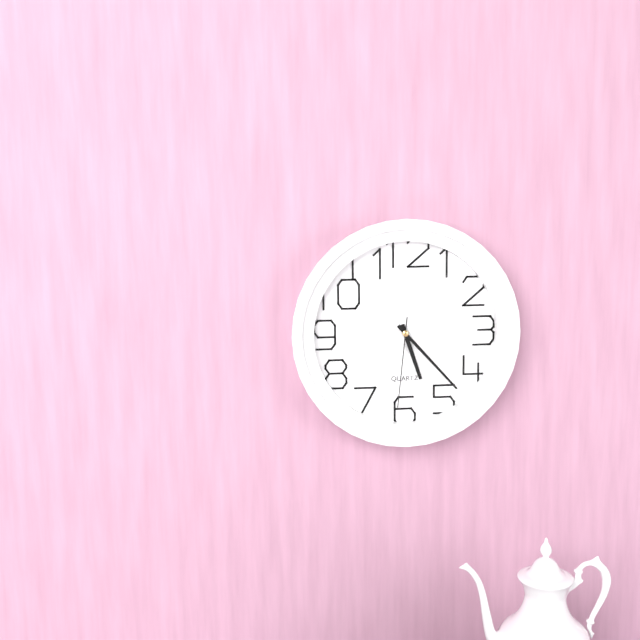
5:23:31
